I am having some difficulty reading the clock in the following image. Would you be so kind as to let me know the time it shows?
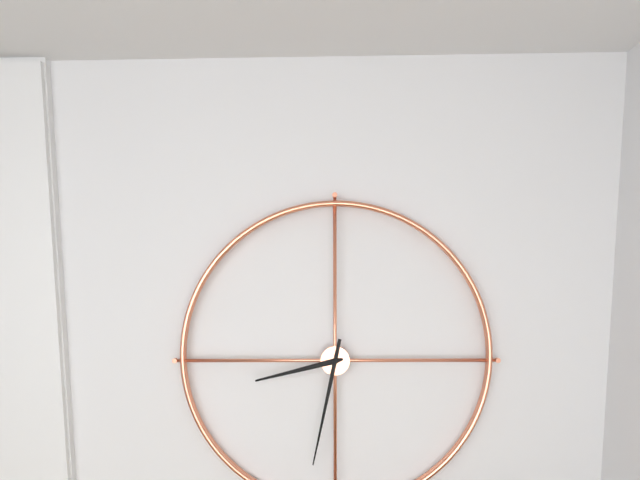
8:32
